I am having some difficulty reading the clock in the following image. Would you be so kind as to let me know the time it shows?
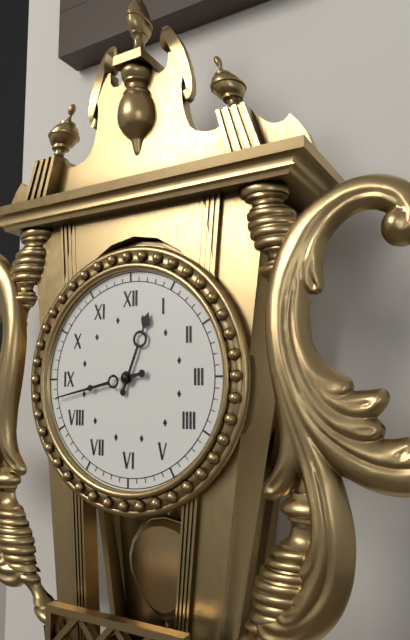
12:43
